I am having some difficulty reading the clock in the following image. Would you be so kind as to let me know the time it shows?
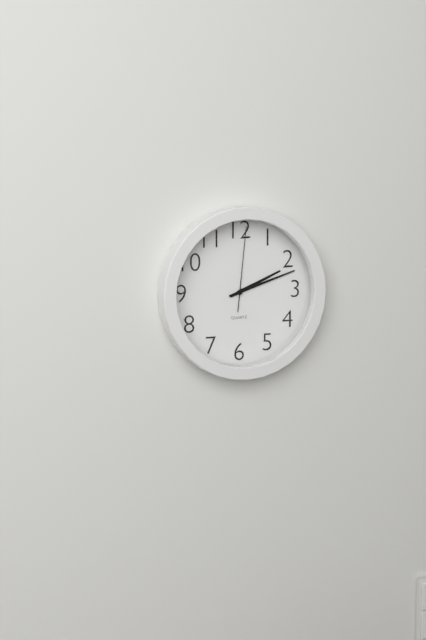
2:12:01
